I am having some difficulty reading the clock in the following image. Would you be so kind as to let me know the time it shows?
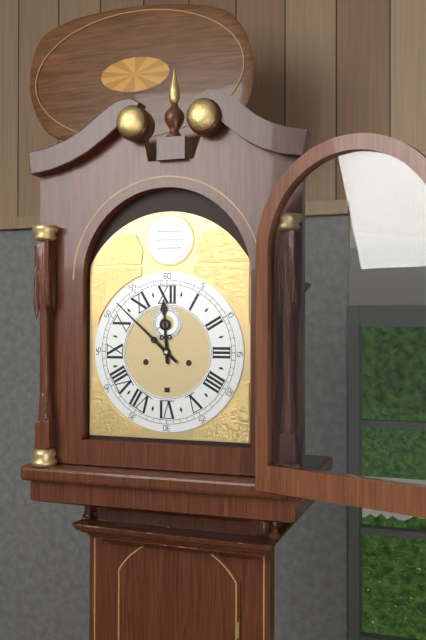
11:52
